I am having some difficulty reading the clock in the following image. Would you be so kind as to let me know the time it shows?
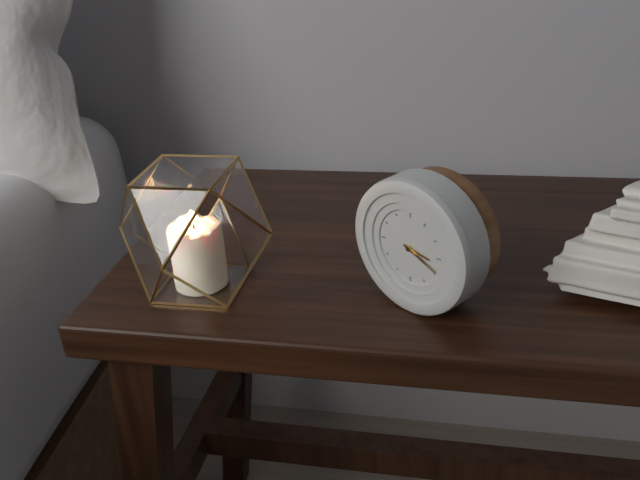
3:19
